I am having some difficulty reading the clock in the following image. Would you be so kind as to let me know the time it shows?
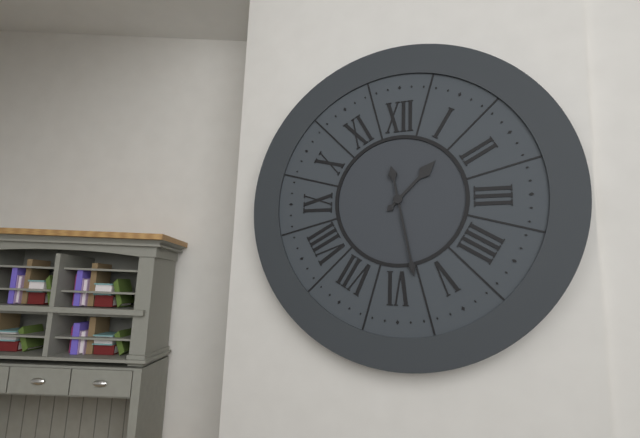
1:28
